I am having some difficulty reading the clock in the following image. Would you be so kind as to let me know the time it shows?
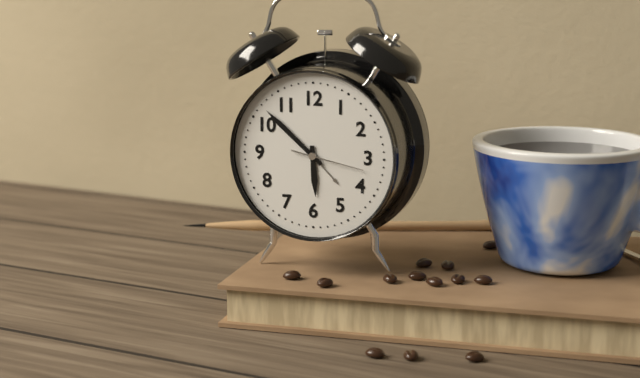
5:52:17
